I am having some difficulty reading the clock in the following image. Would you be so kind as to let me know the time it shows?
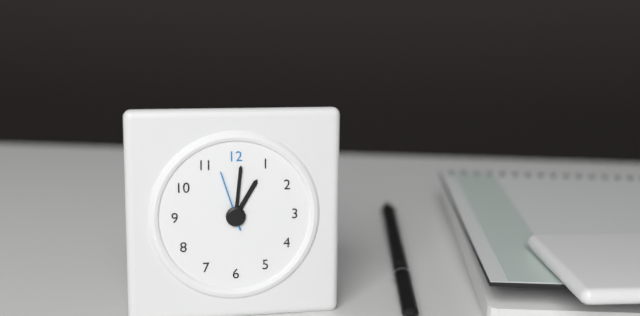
1:01:57
